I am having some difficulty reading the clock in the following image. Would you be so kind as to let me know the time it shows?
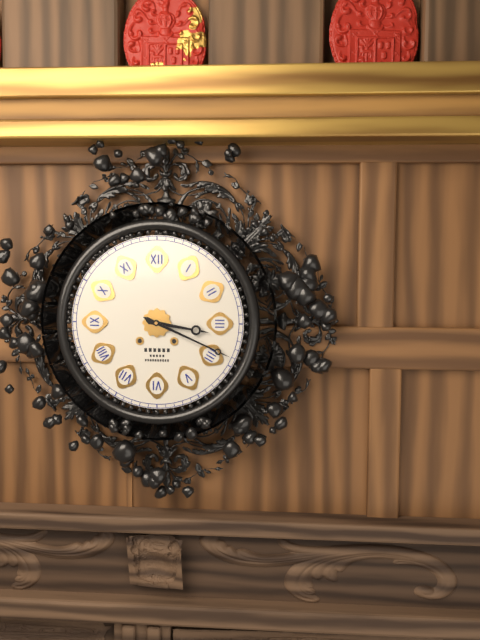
3:19
